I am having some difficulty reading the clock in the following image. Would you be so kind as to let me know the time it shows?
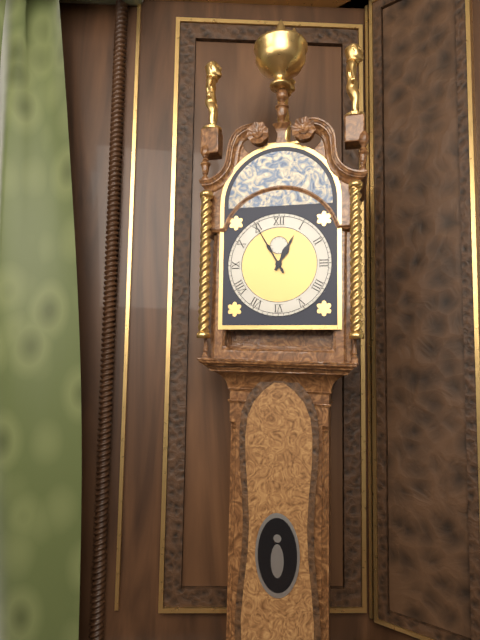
12:55
